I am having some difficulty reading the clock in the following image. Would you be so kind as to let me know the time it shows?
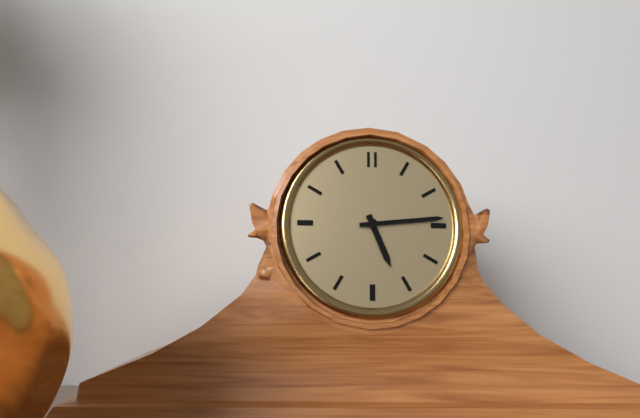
5:14
